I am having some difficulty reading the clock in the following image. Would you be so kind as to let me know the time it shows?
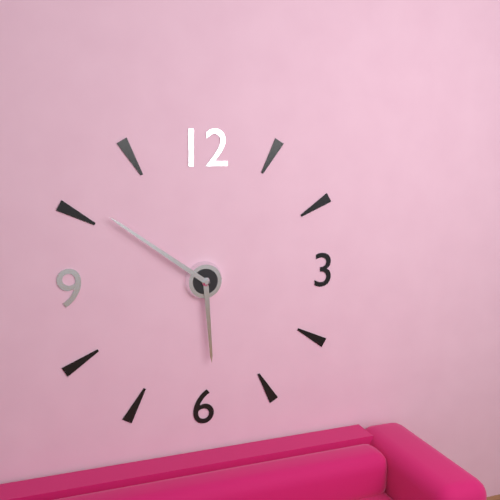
5:51
